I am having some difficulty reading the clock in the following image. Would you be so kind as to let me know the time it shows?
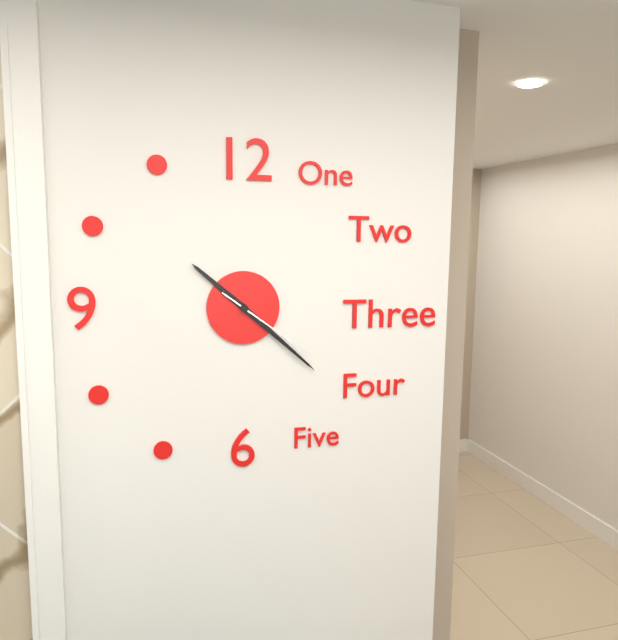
10:22:21
